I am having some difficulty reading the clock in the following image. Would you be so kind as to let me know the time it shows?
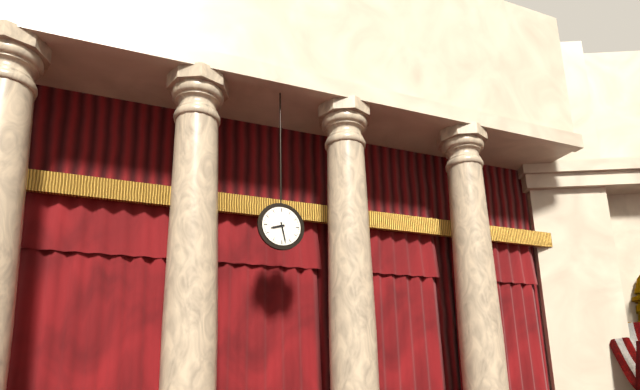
8:28
